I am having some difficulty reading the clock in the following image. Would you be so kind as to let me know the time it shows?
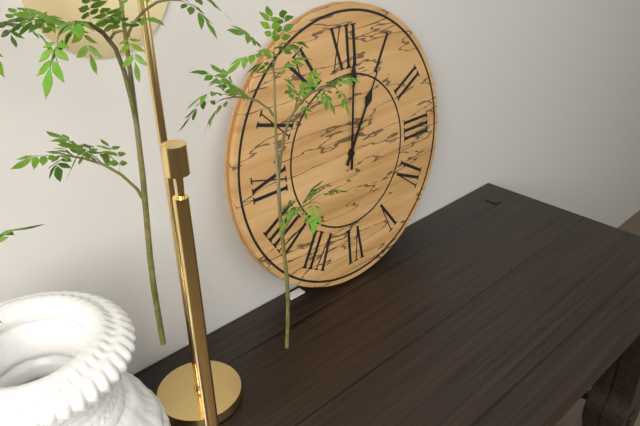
1:01
